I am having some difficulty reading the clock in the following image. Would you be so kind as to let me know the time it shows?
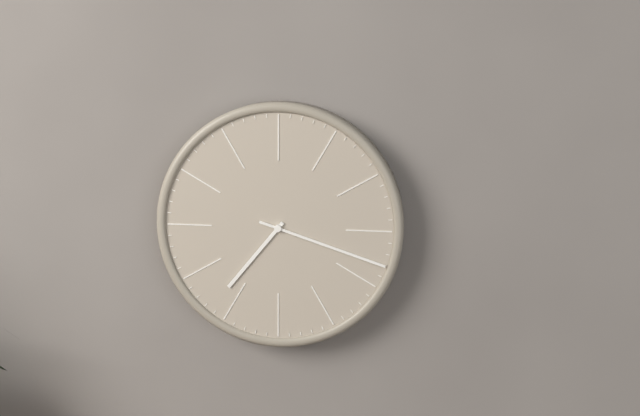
7:18
